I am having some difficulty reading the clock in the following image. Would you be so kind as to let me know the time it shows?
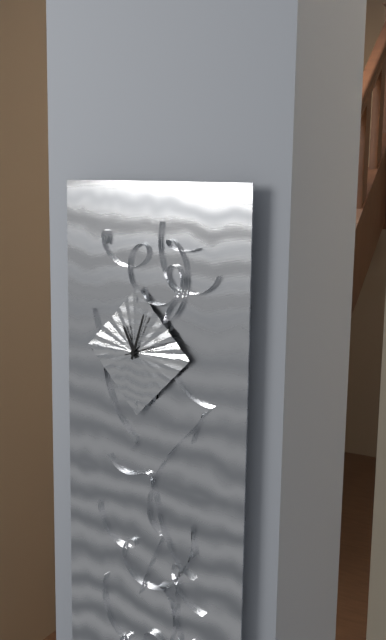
11:03
